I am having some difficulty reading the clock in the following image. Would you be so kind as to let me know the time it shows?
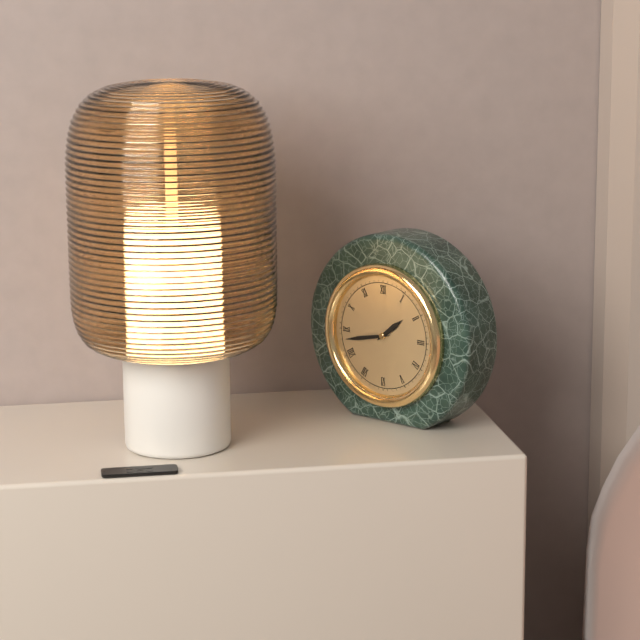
1:43
